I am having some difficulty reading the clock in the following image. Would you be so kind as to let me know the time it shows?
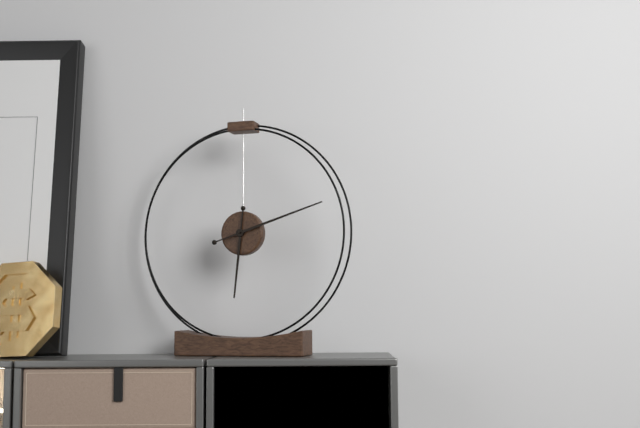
6:12
